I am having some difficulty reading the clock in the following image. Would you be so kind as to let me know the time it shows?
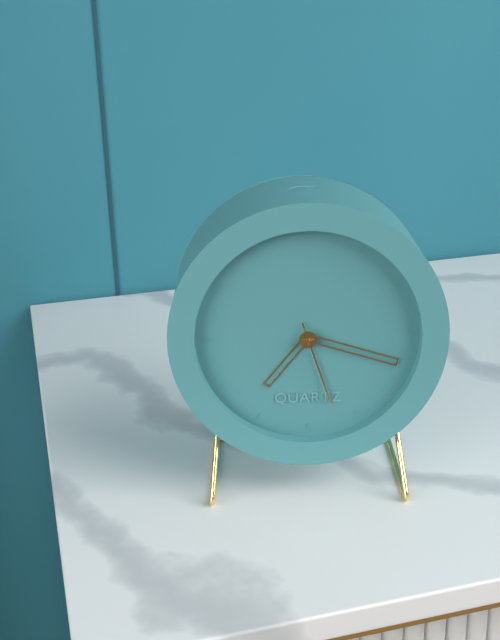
7:18:27
